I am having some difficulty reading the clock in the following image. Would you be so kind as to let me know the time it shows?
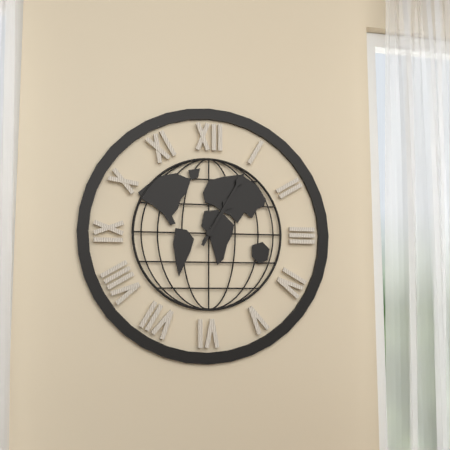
1:05
